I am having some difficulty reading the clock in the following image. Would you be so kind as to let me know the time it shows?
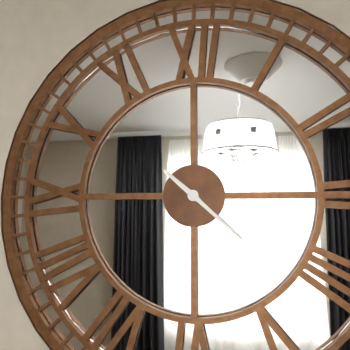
10:22
